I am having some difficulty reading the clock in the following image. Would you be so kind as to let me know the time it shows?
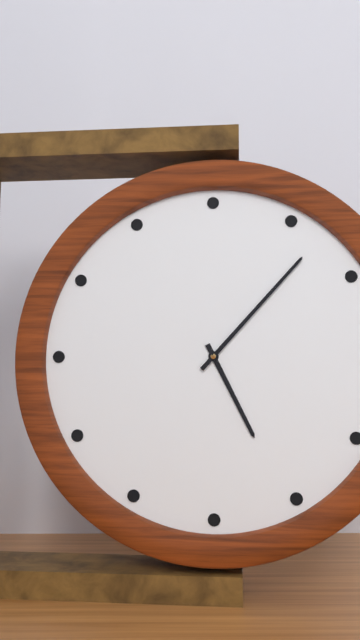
5:07
